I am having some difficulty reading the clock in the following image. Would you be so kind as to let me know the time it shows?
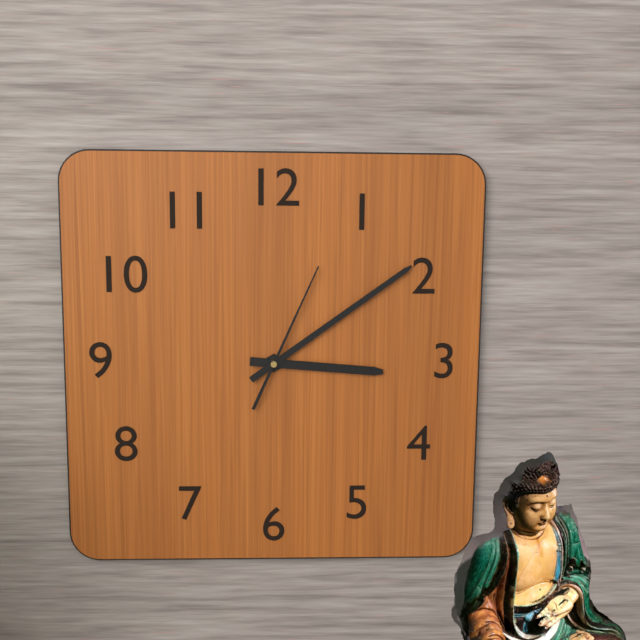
3:09:04
